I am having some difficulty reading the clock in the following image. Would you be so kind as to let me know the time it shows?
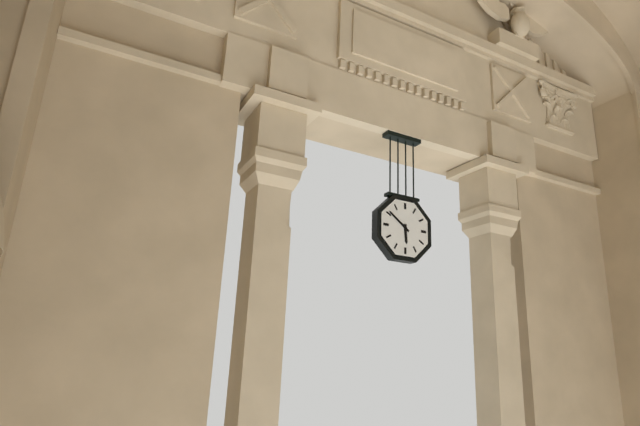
5:51
